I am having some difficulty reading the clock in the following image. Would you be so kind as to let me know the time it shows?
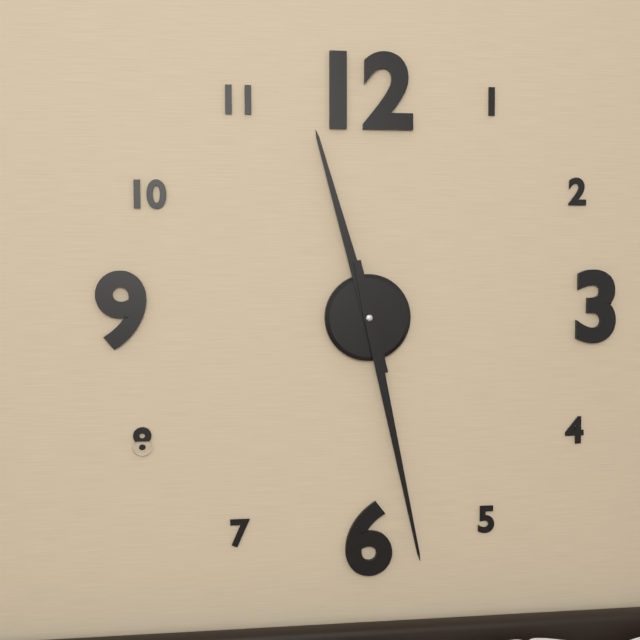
11:28
